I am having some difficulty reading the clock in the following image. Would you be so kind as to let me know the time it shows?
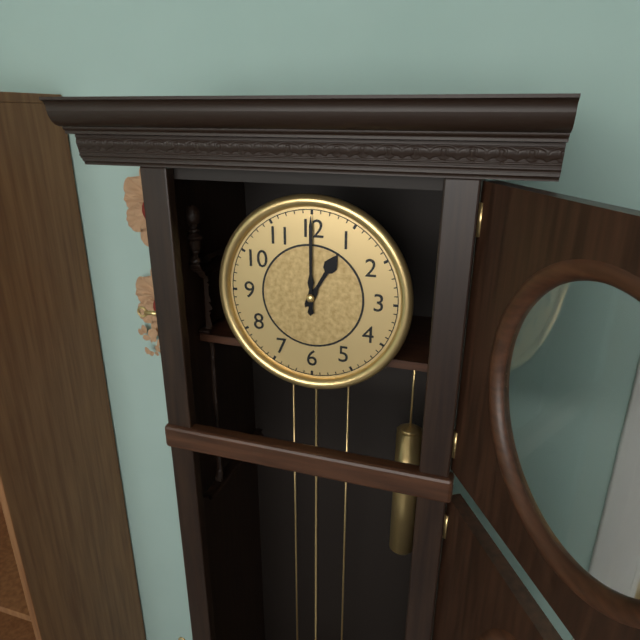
1:00
